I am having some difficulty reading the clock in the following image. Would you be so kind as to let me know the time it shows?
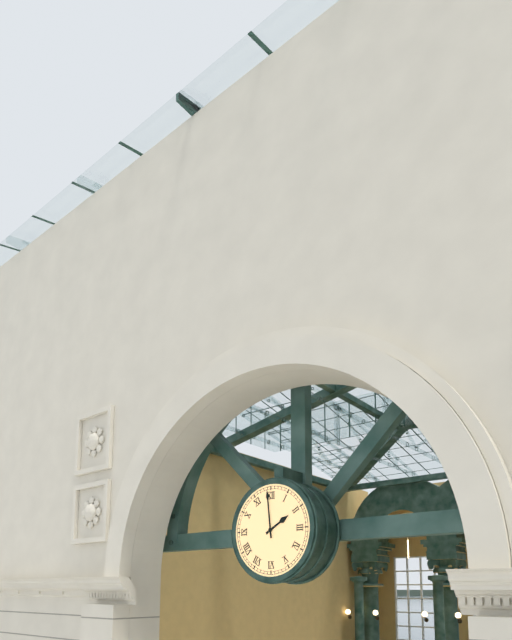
1:59
